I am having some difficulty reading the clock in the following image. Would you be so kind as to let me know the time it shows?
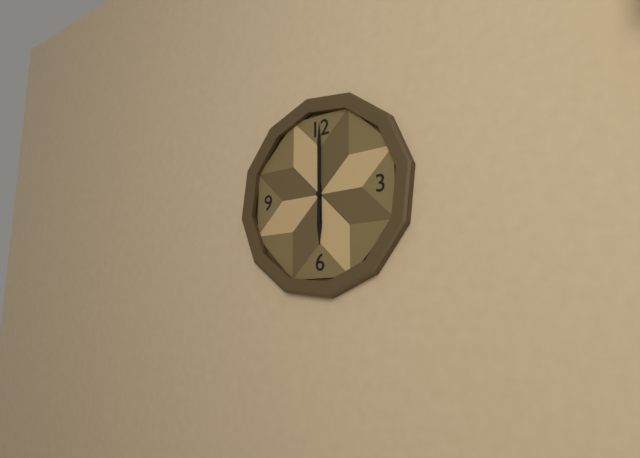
6:00
